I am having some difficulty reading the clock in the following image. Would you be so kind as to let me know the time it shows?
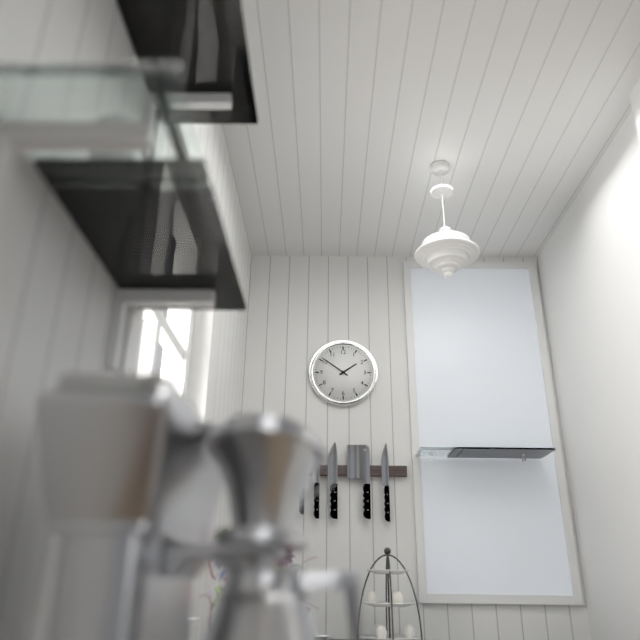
1:51
